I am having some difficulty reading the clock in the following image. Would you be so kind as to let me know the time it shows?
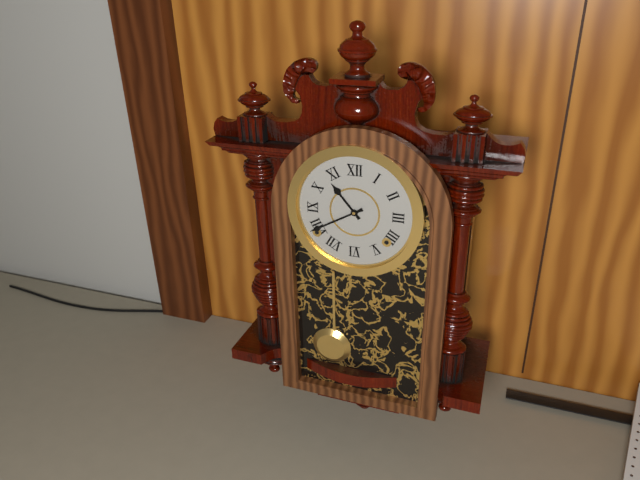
10:40
